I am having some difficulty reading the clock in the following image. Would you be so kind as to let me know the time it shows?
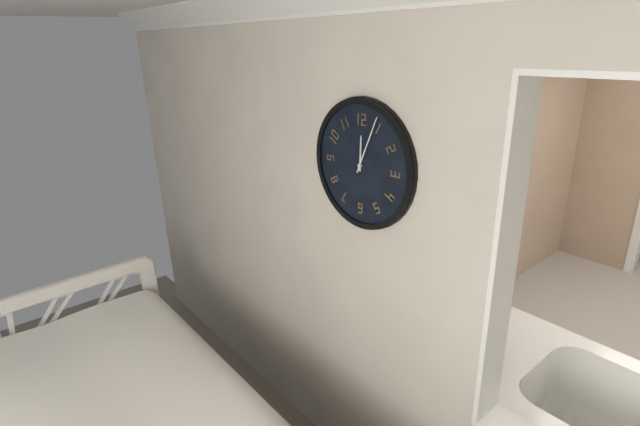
12:04
